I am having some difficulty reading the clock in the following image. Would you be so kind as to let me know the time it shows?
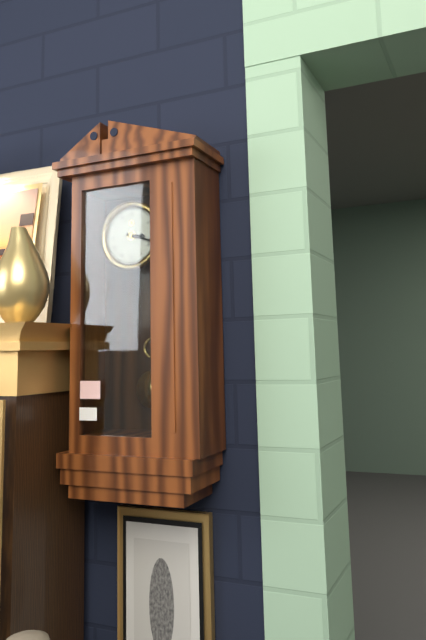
3:18
